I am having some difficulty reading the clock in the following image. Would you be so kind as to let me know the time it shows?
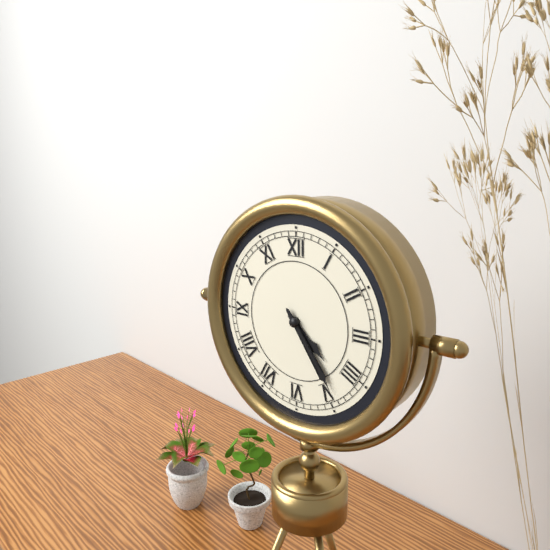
4:24
